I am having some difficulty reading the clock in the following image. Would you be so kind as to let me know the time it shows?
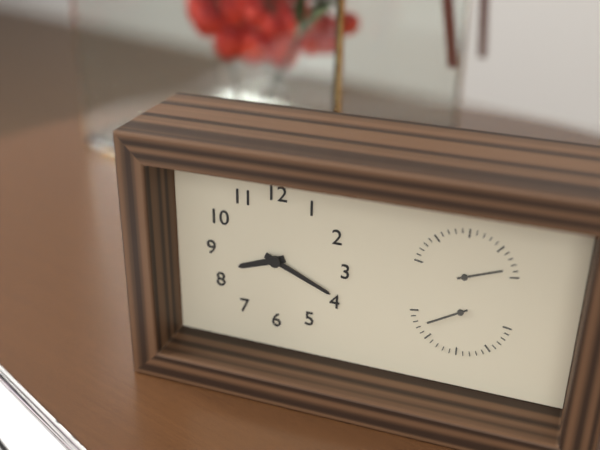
8:19
